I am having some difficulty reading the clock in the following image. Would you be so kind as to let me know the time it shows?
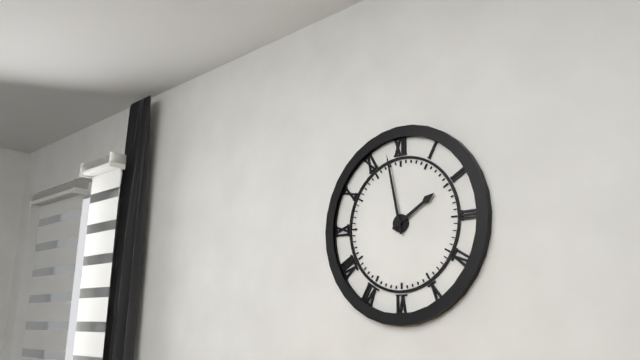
1:58
